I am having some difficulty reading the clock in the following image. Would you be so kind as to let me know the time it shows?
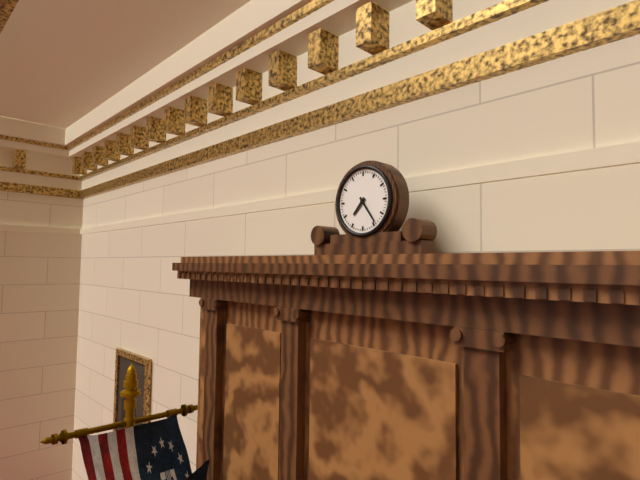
7:24
